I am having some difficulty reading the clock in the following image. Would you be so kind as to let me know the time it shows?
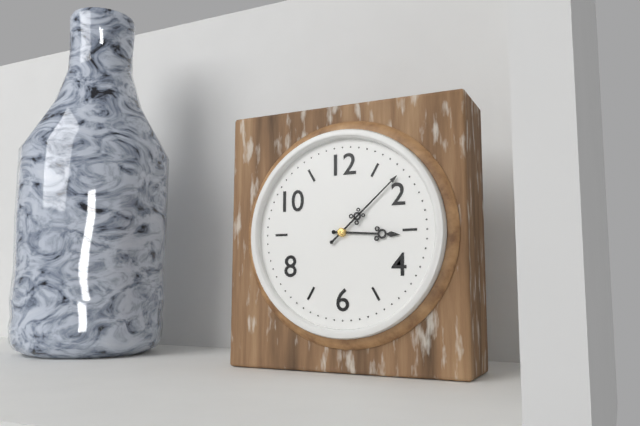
3:08
